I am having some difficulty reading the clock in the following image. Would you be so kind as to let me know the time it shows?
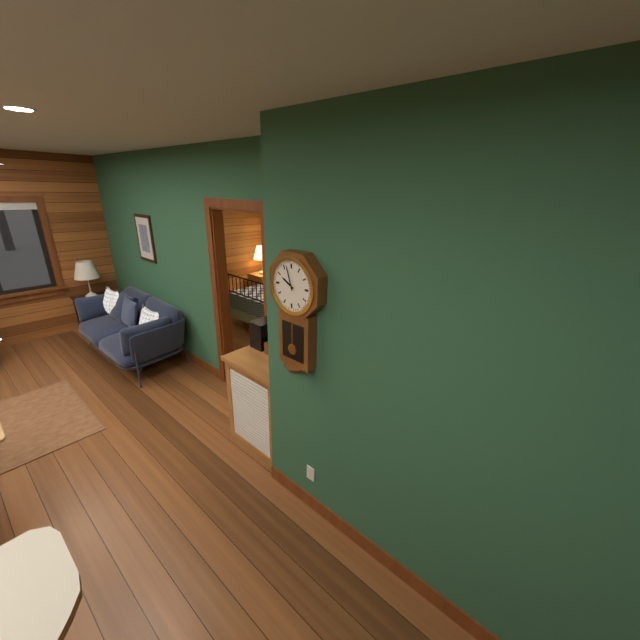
9:57
